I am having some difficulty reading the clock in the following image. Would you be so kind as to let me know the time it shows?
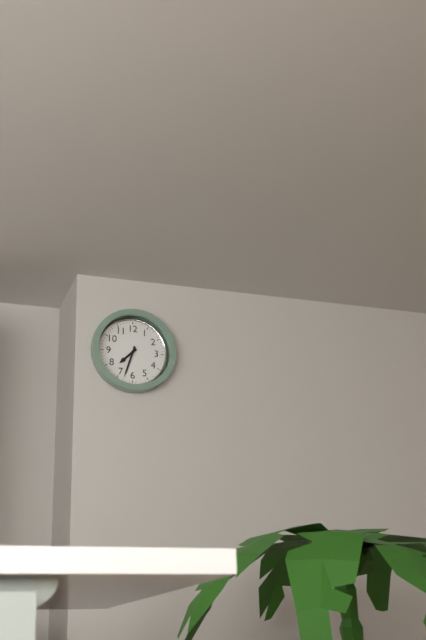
7:33
